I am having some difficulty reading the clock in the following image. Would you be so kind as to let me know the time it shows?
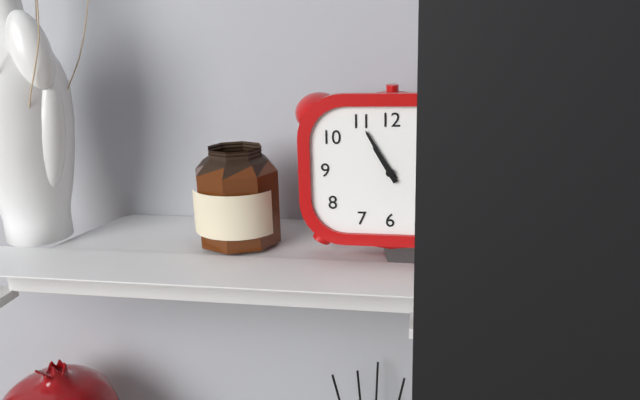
10:55
